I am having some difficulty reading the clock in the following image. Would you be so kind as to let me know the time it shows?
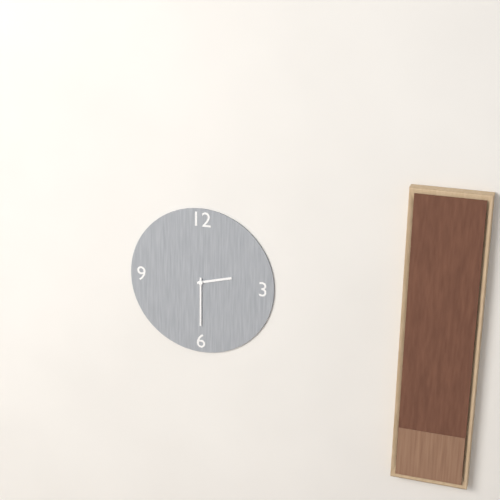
2:30
